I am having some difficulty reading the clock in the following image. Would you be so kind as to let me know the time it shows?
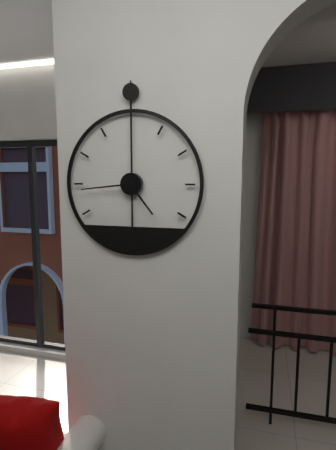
4:44
